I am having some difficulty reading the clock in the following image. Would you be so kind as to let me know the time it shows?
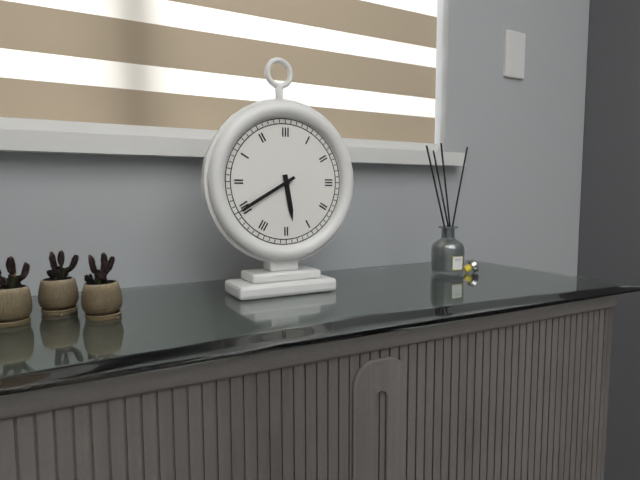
5:40
